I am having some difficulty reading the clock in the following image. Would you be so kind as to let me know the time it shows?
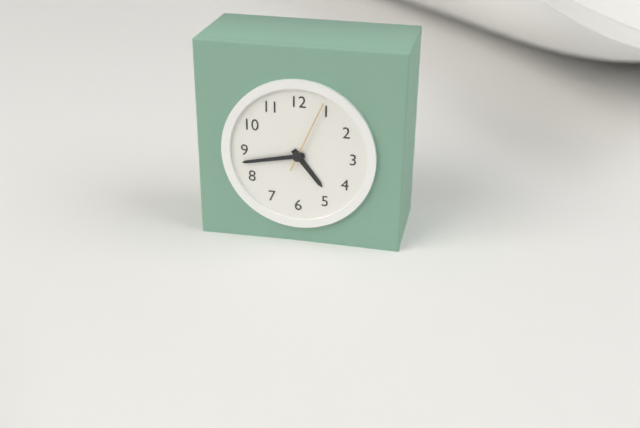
4:43:04
